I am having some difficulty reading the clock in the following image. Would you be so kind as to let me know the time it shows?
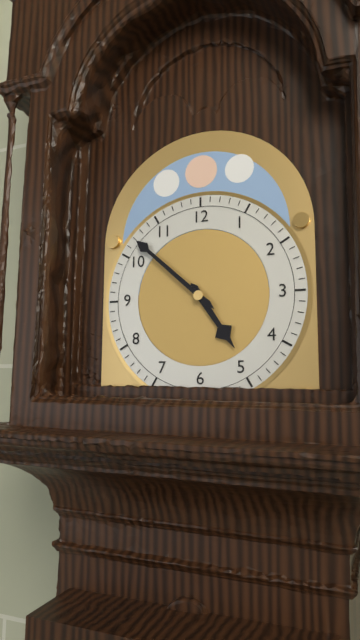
4:52
